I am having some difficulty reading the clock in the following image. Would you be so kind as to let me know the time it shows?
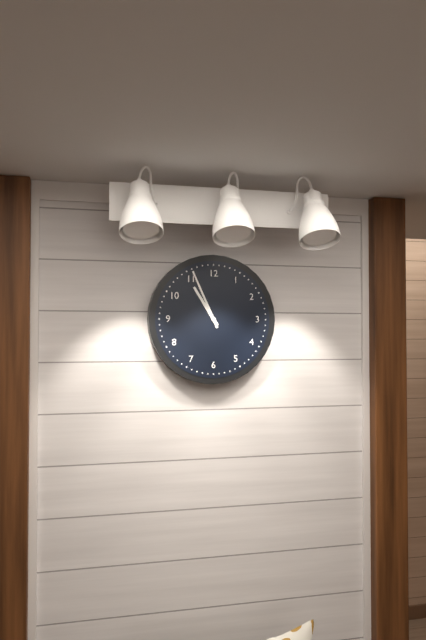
10:56
